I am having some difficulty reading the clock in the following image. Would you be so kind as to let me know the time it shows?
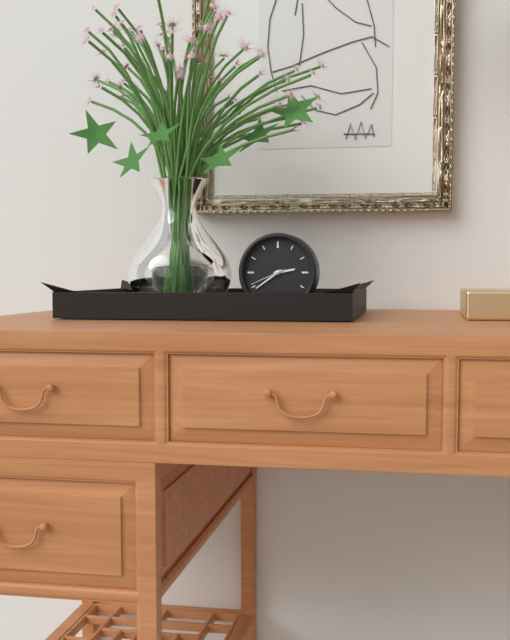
2:39
